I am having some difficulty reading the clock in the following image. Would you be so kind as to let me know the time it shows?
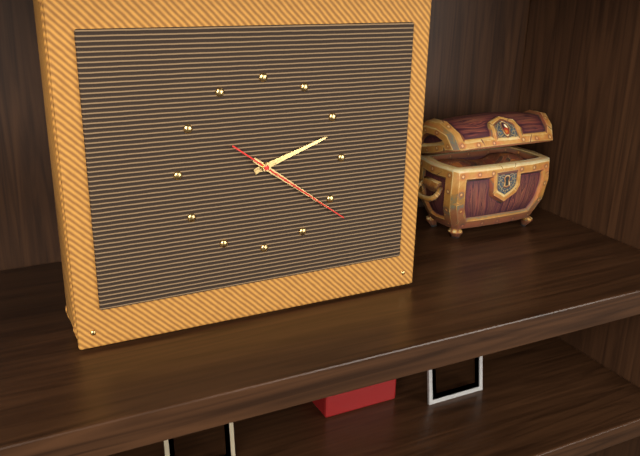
2:21:21
